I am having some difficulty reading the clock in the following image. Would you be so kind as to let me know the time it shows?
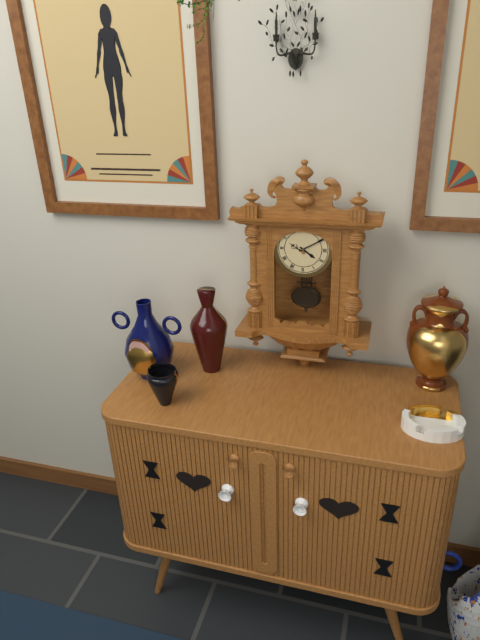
4:10
